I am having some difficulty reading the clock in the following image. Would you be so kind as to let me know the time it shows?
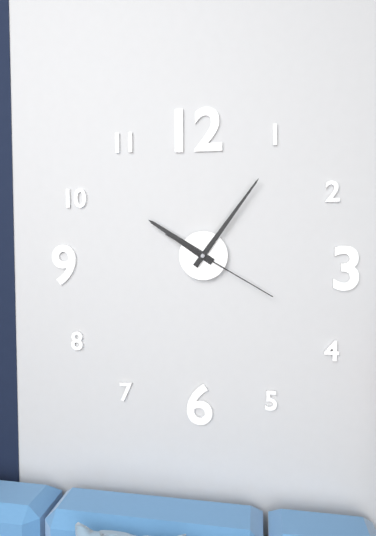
10:06:20
